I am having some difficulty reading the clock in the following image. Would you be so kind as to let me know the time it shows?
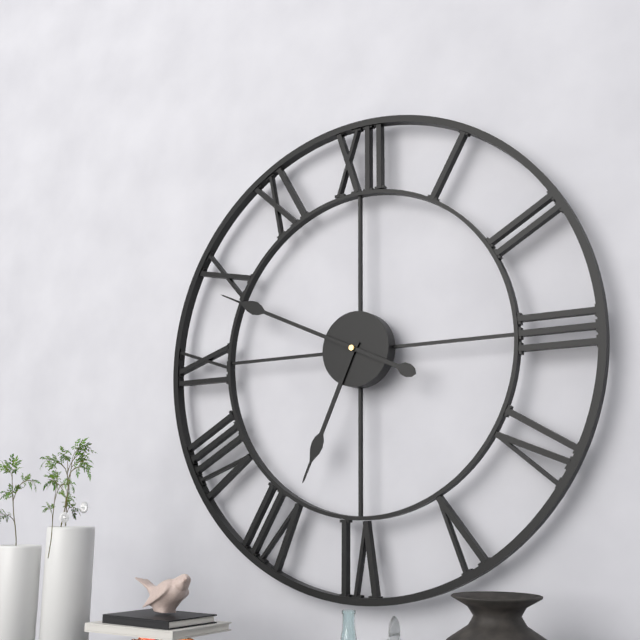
6:49
